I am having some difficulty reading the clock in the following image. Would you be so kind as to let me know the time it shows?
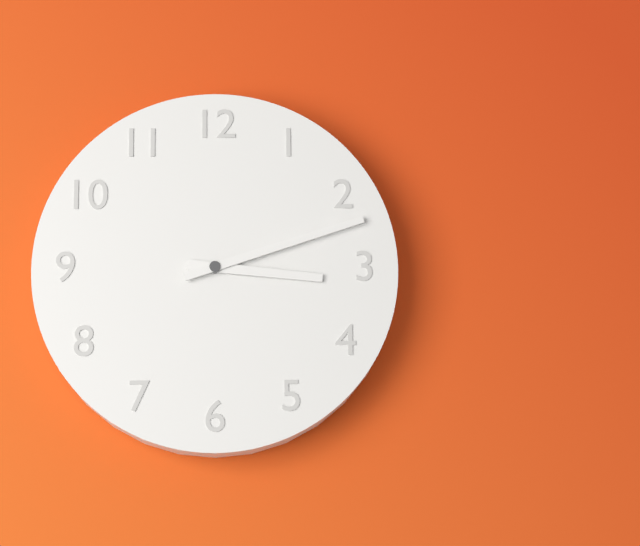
3:12
